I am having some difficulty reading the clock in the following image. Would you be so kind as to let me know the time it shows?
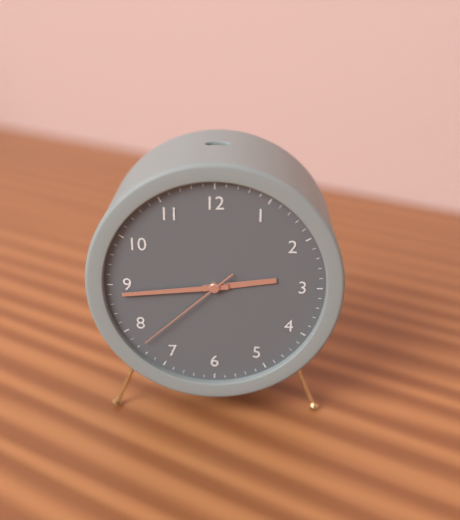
2:44:38
